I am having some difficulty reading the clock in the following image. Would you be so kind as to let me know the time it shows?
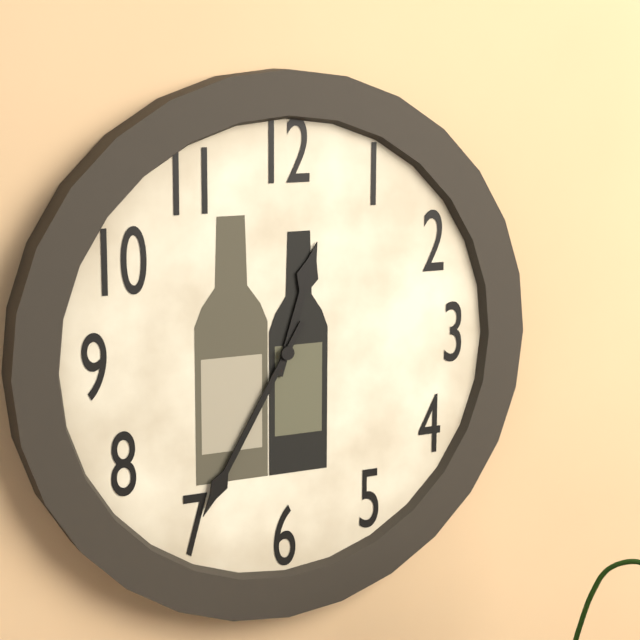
12:35
